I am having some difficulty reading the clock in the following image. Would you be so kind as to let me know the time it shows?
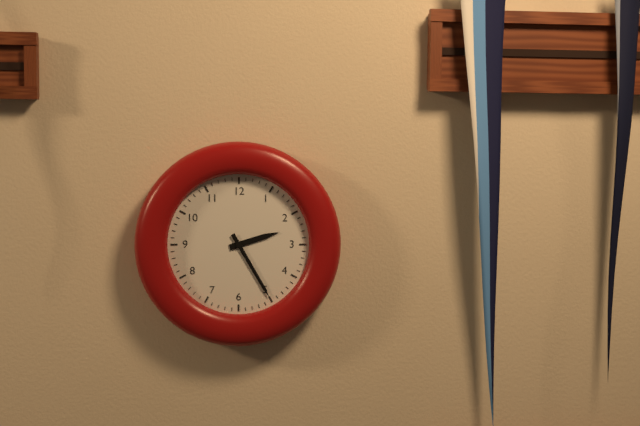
2:25
